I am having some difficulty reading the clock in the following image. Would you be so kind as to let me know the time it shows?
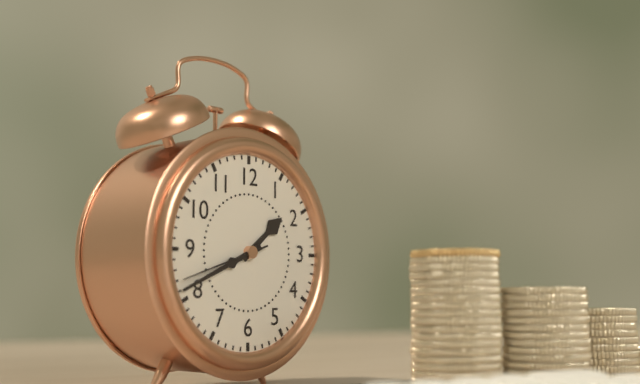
1:41:42
